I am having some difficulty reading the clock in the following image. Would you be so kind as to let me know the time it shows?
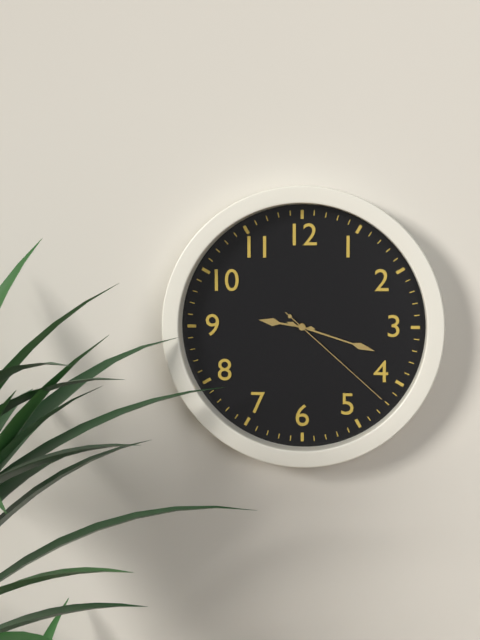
9:18:22
